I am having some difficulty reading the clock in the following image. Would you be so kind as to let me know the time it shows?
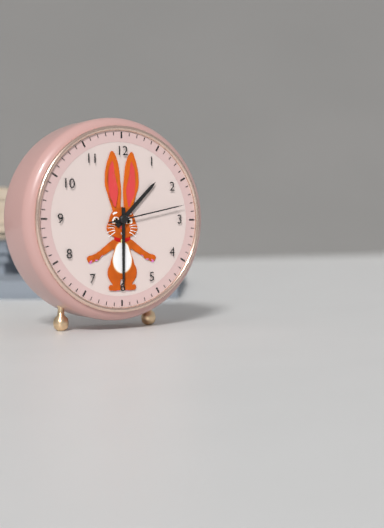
1:30:13
